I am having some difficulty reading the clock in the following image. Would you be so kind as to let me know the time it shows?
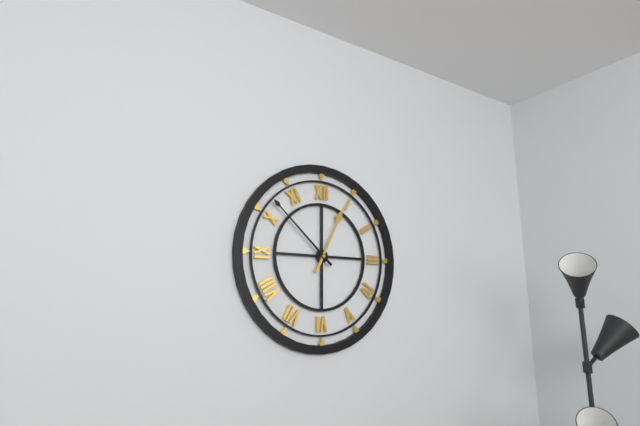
12:52
